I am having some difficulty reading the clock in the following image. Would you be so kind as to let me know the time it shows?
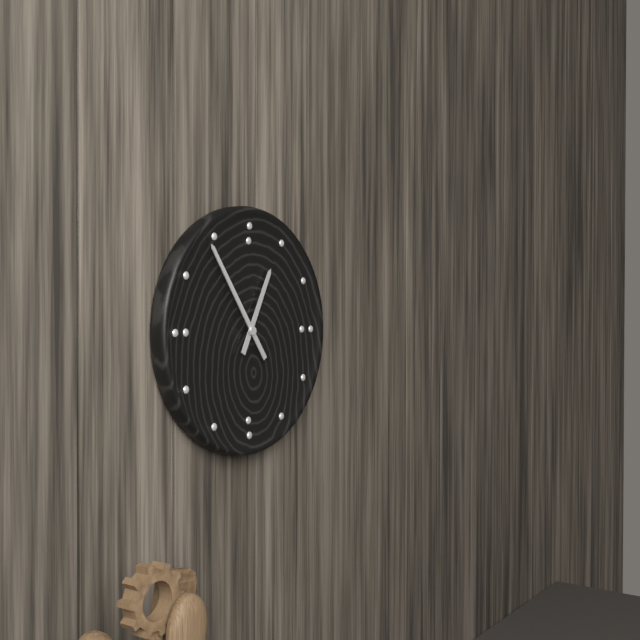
12:54
